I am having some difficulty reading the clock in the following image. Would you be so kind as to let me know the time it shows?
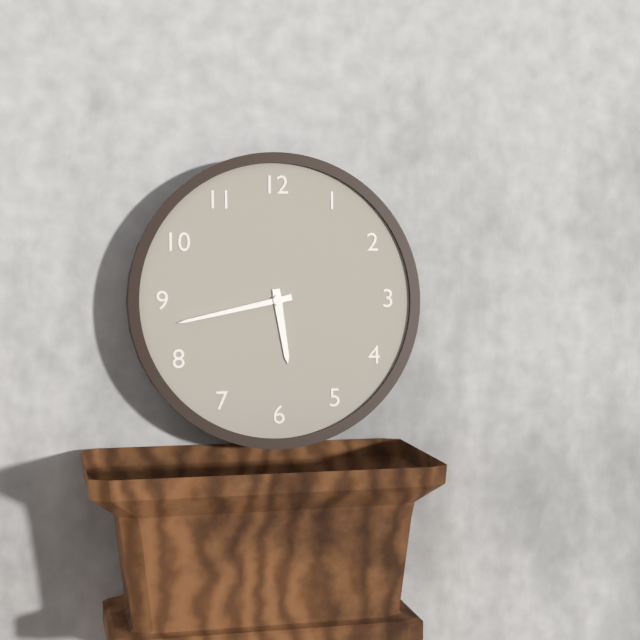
5:43
